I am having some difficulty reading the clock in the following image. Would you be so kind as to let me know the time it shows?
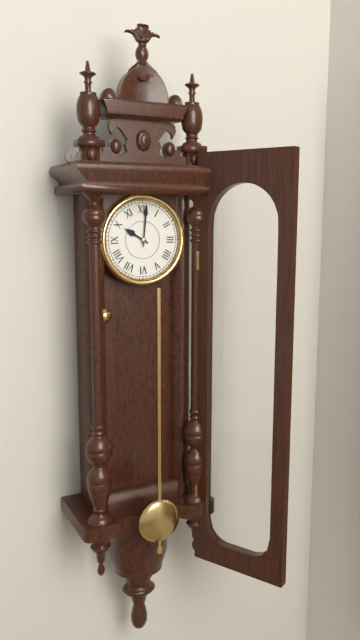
10:01
